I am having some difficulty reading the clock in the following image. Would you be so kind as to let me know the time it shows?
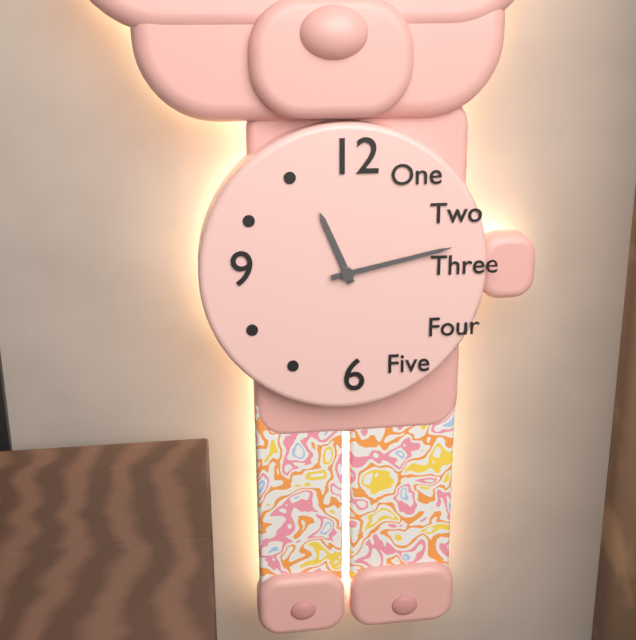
11:13
